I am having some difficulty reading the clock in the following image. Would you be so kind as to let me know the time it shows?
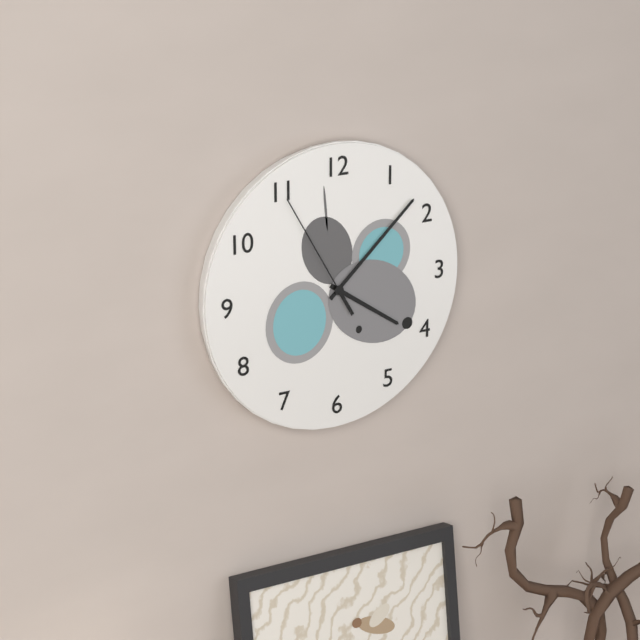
4:08:55
